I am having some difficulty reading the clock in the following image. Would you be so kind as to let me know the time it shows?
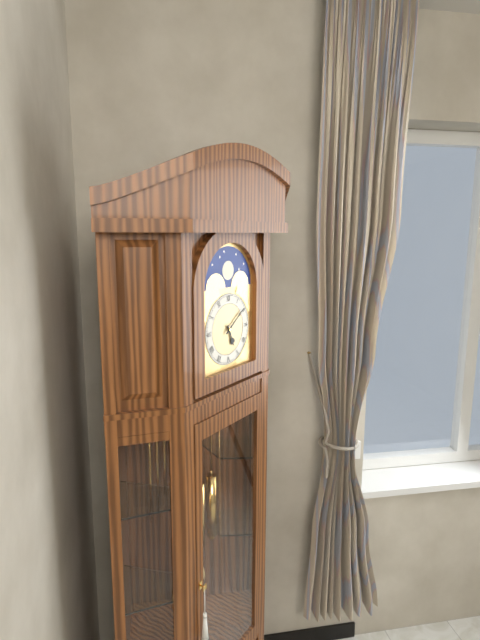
5:09
